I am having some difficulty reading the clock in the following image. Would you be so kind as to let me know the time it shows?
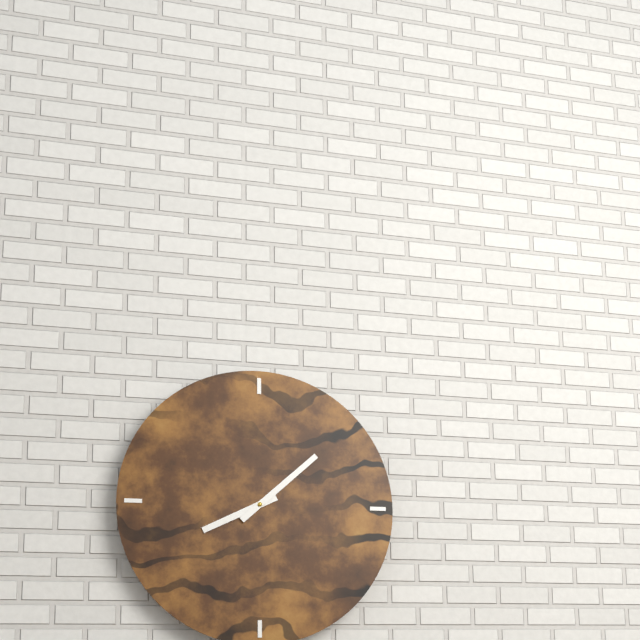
8:08
